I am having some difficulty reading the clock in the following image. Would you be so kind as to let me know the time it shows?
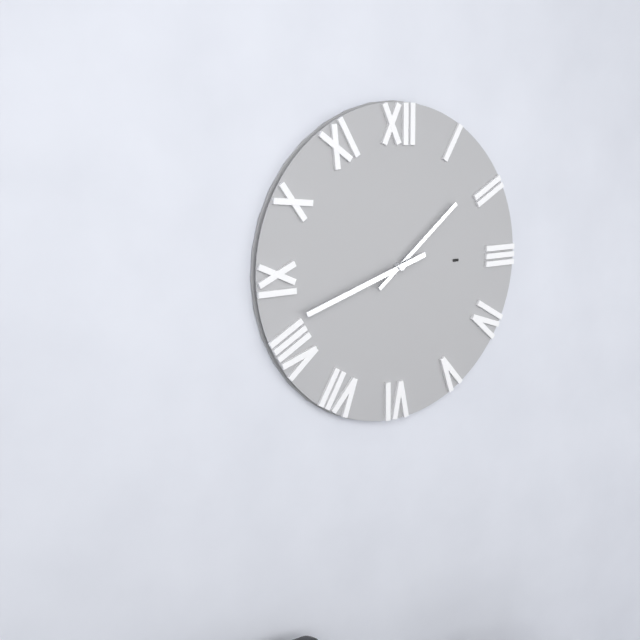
1:42
